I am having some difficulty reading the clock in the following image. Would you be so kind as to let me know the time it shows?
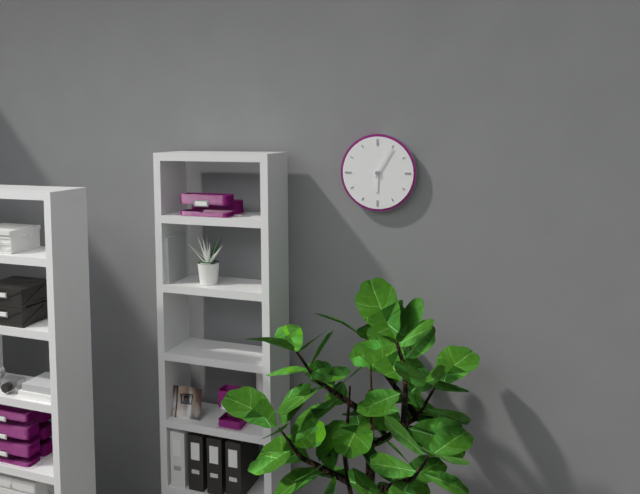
6:05
